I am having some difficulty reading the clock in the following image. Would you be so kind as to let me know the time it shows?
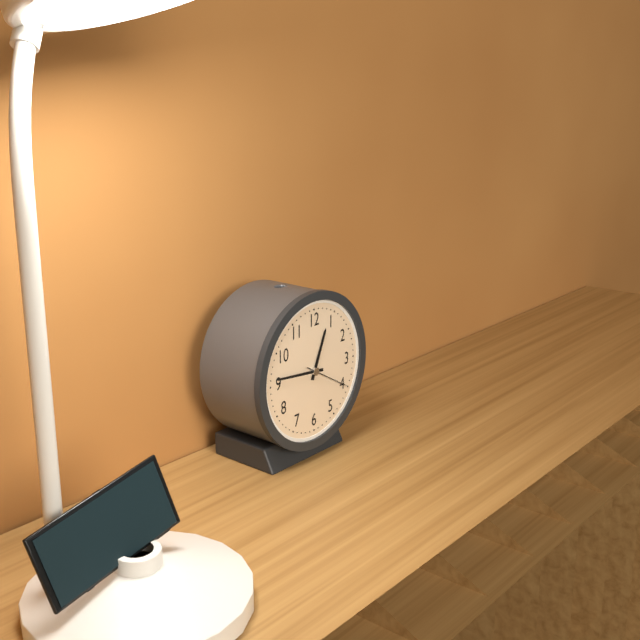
12:46
